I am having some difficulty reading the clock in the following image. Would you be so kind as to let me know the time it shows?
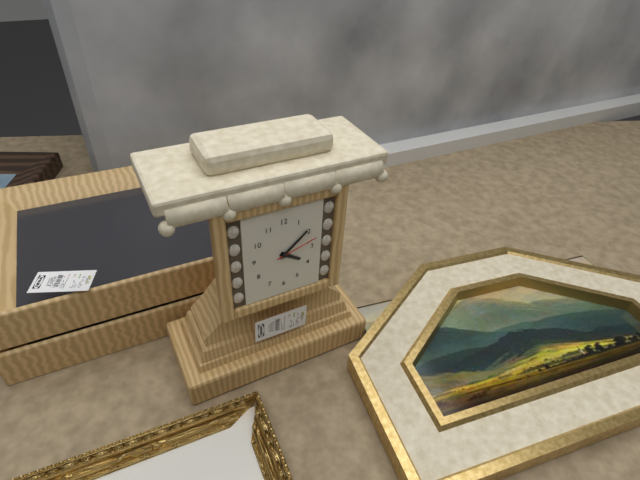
4:08
